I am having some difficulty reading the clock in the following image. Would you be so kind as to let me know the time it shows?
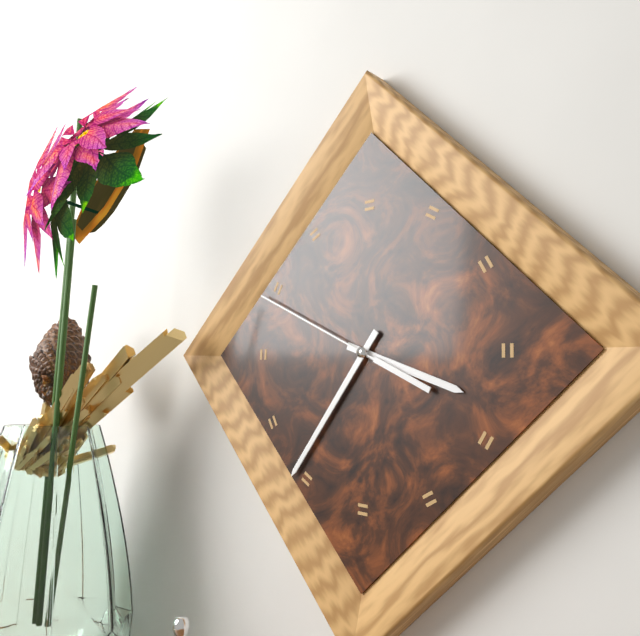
3:36:49
